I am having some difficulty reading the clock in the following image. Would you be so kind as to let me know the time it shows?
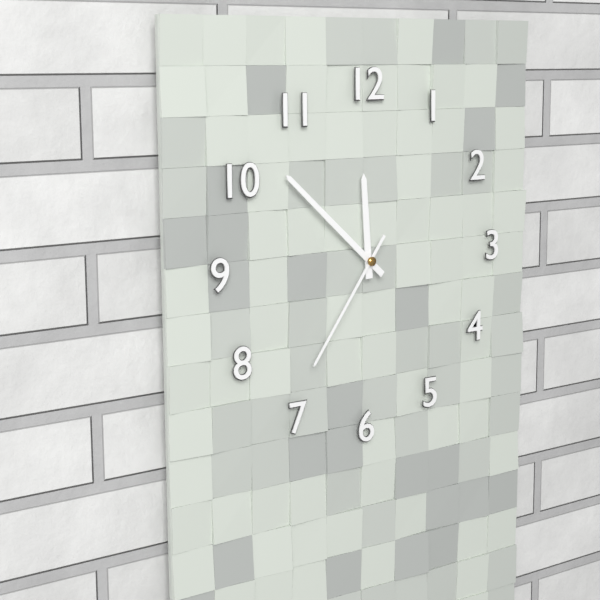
11:52:36
